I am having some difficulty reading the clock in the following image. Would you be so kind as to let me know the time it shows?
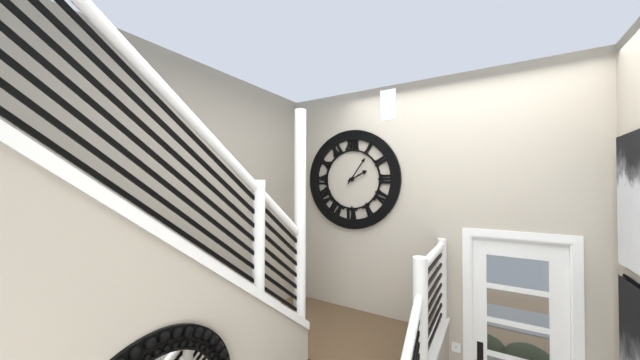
2:06
